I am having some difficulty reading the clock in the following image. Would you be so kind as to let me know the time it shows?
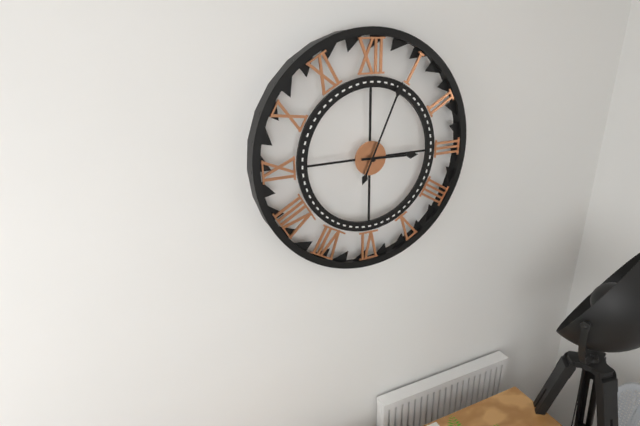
3:04
